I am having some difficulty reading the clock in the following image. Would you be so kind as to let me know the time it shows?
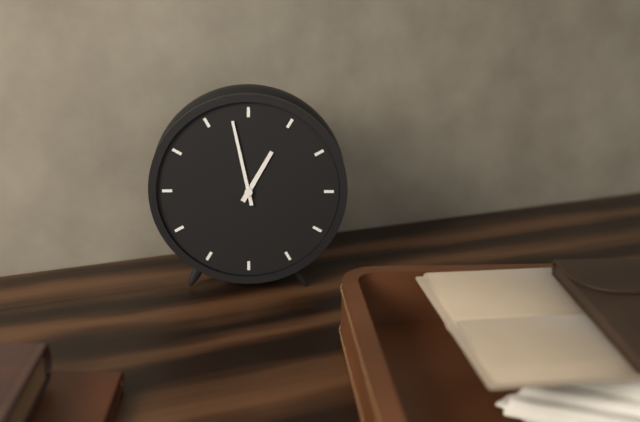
12:58
